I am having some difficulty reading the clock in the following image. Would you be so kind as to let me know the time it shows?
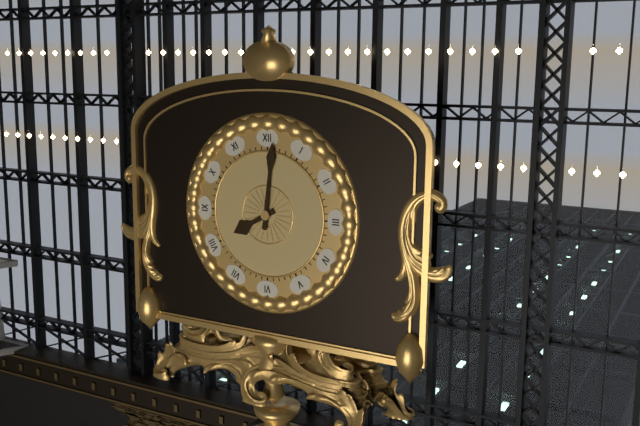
8:01
